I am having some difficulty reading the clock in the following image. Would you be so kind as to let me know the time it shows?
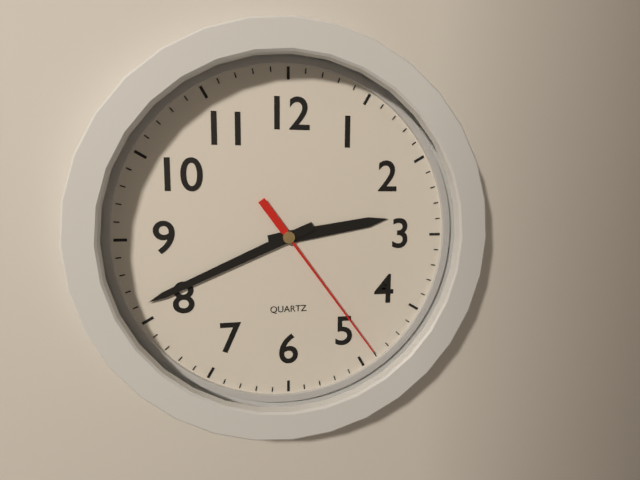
2:41:24
